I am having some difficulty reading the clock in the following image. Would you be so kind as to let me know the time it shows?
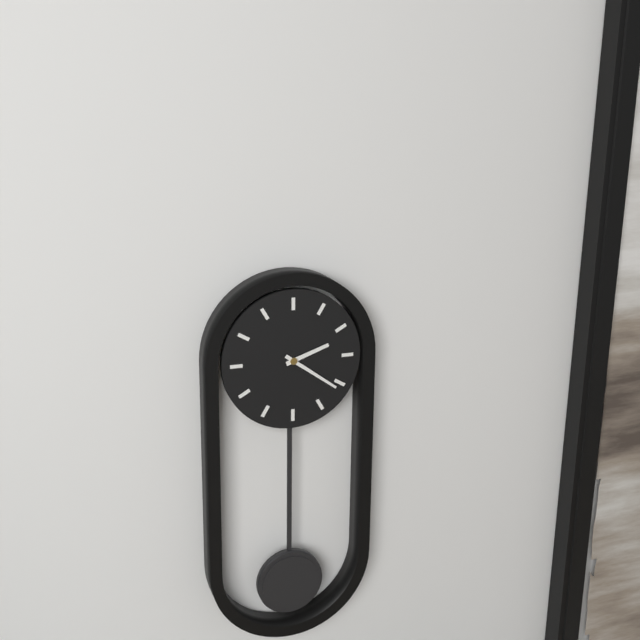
2:21
